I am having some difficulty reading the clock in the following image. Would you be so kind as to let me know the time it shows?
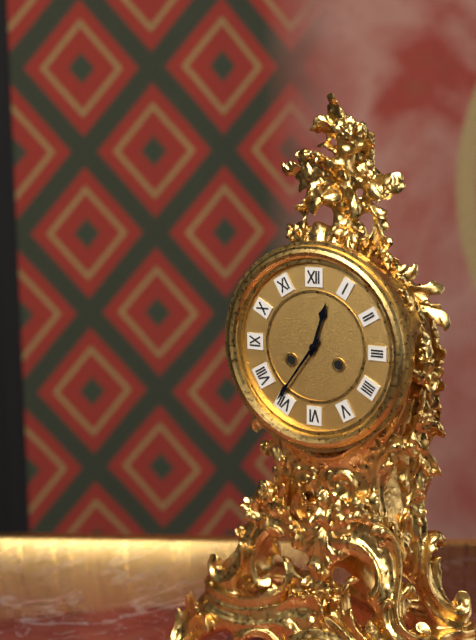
12:36
